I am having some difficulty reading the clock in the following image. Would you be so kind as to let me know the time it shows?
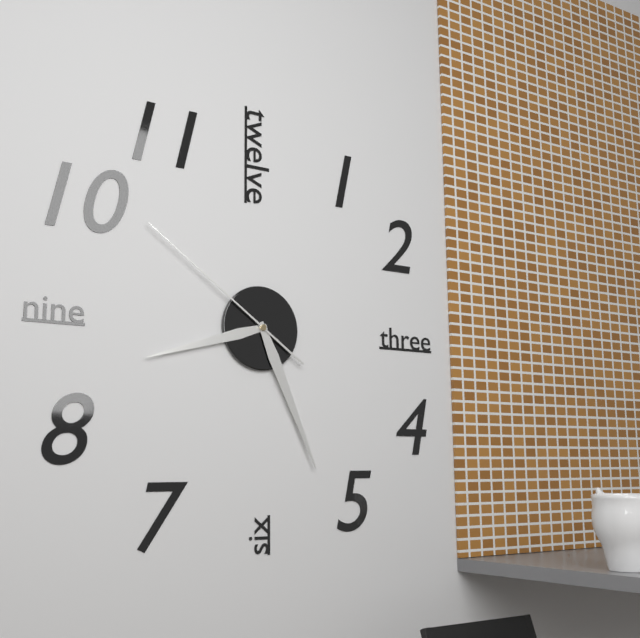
8:26:51
